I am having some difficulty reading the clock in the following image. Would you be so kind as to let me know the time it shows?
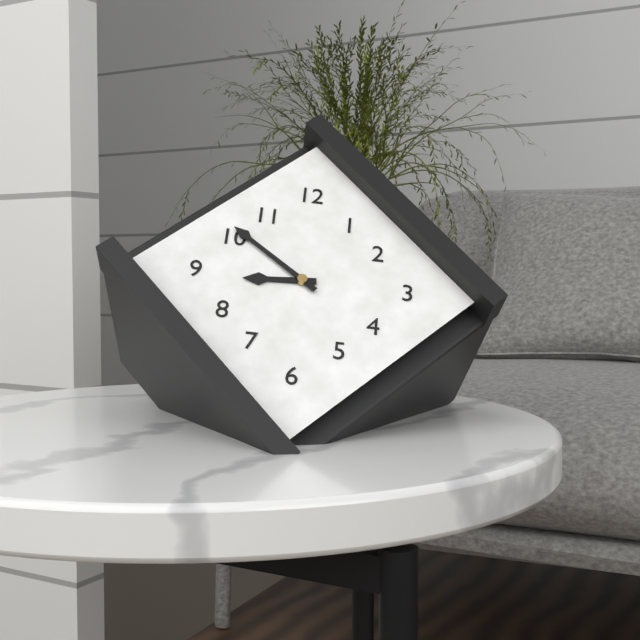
8:51
